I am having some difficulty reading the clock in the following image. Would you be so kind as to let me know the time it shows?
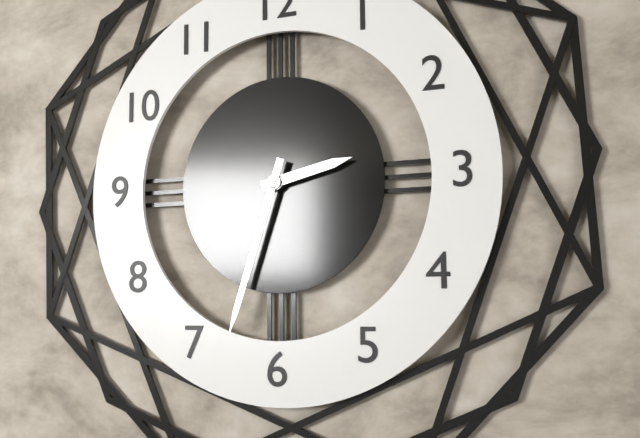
2:33
